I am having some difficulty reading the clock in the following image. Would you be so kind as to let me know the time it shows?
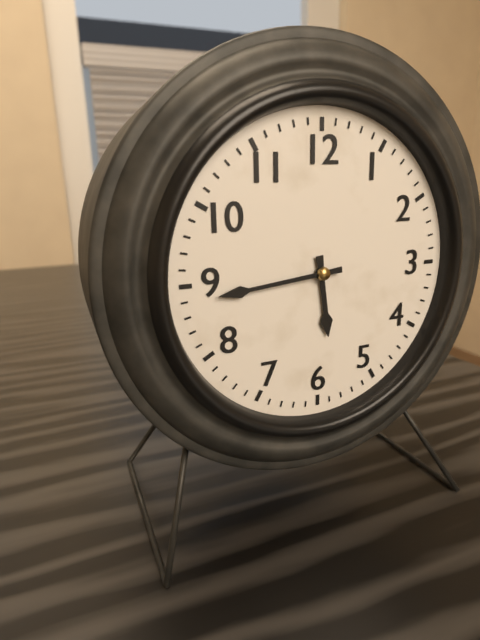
5:44
